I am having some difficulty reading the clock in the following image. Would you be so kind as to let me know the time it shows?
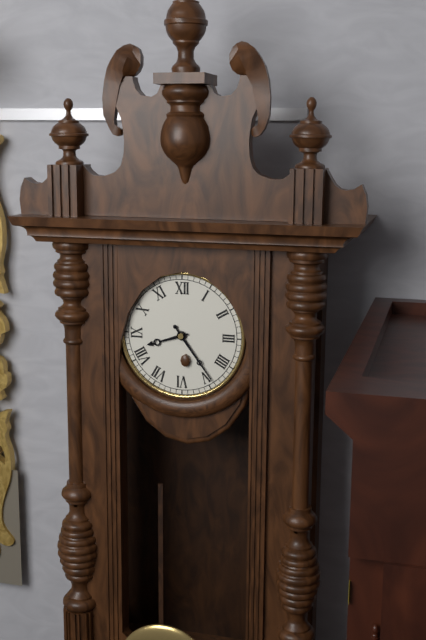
8:24
